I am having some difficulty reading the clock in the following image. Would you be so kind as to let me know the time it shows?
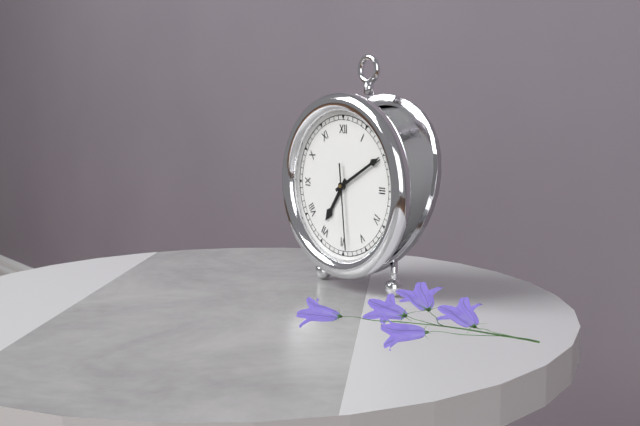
7:10:29
